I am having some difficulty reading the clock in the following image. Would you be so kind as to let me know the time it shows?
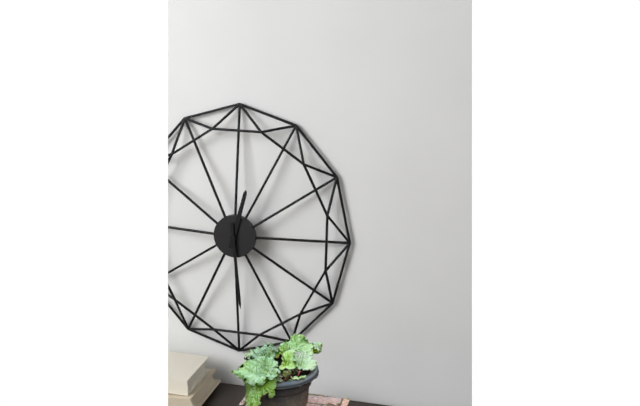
12:29
